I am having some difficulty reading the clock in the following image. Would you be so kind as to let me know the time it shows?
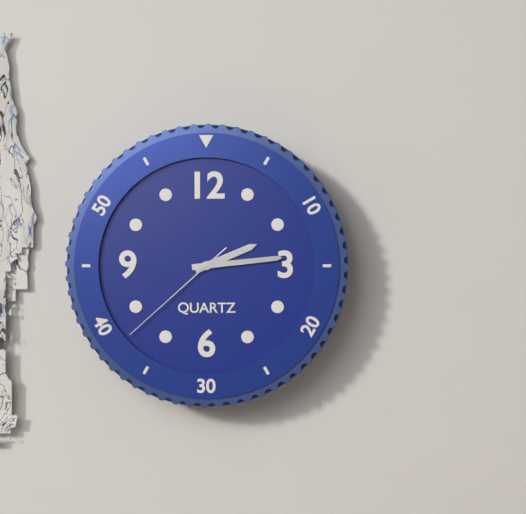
2:14:38
